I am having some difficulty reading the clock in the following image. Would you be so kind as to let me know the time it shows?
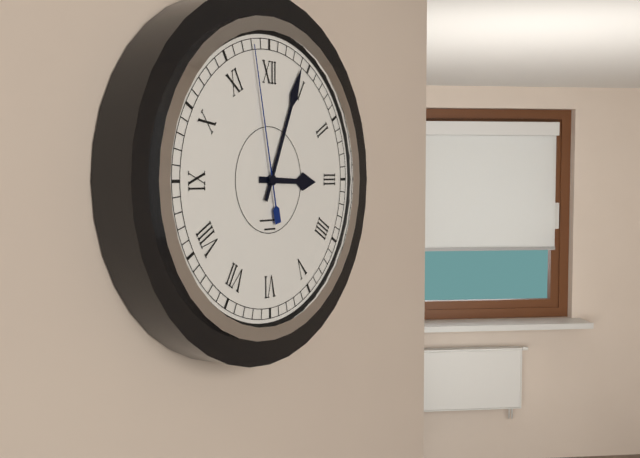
3:04:58
